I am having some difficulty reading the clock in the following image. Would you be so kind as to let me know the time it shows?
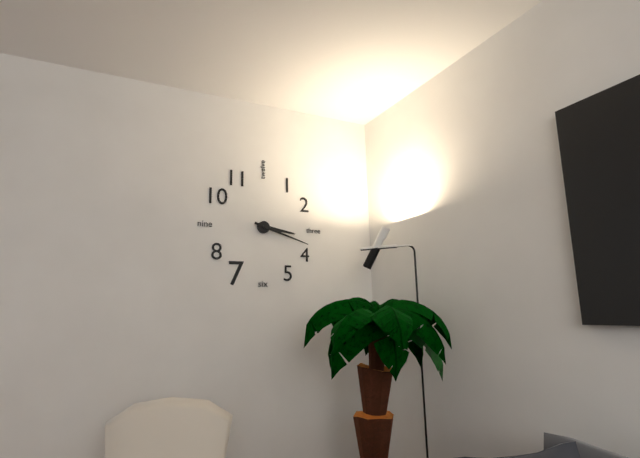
3:18
